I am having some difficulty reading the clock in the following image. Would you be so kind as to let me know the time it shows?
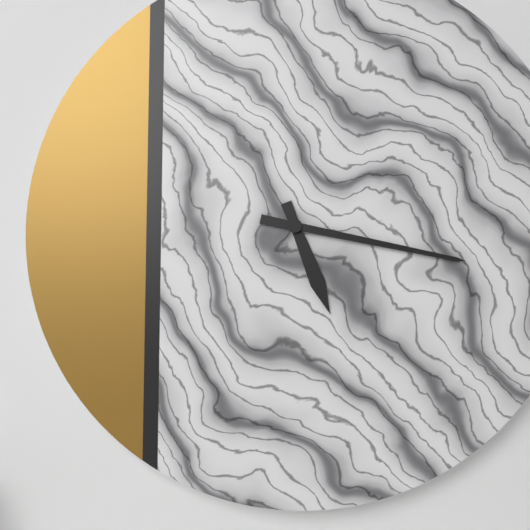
5:17
